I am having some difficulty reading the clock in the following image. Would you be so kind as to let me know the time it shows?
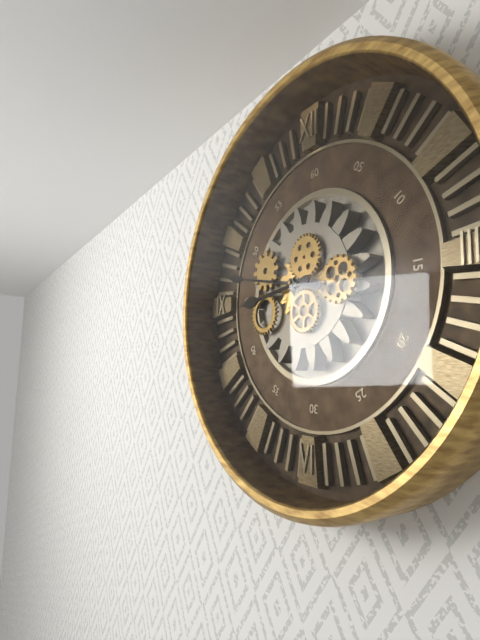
8:47
